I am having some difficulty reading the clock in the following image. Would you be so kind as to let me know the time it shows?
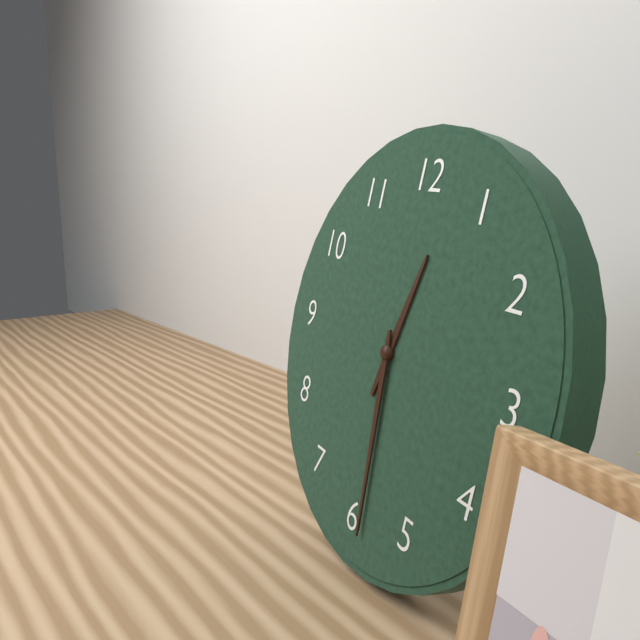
12:29
